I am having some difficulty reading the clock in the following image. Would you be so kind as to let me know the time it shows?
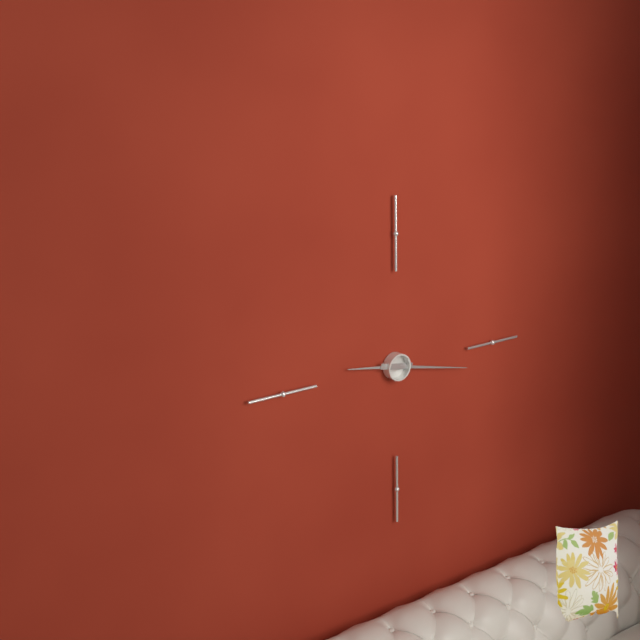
9:17
